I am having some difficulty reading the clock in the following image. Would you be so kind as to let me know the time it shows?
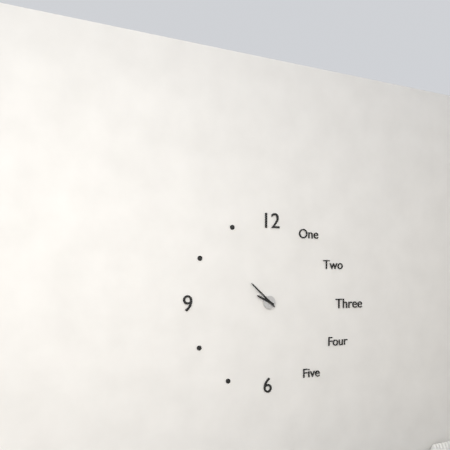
9:52
